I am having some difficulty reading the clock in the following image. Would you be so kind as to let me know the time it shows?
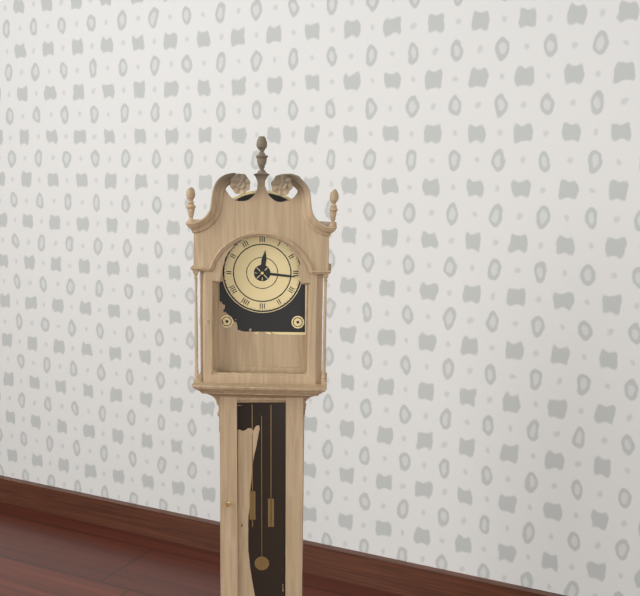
12:16
